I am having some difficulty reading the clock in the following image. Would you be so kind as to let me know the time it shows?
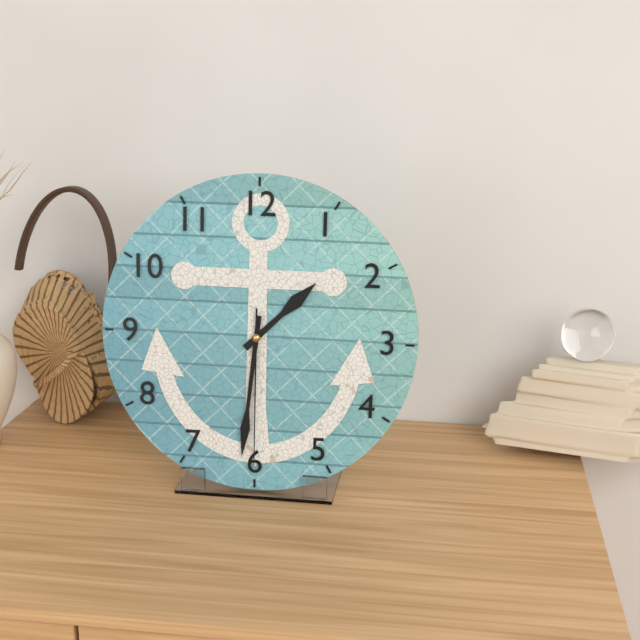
1:31:30
